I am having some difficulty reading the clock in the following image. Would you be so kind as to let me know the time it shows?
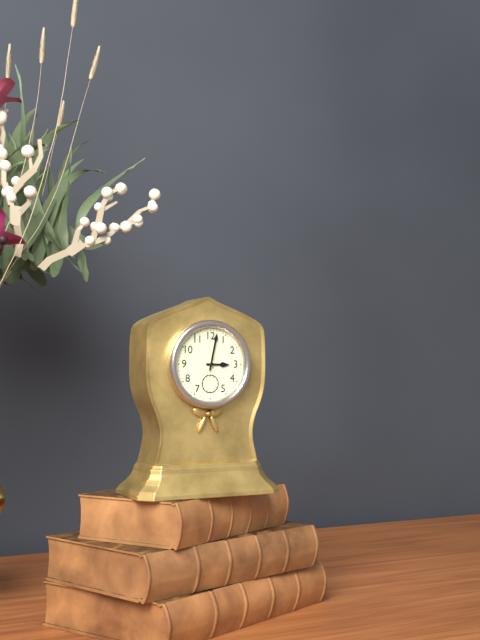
3:02
